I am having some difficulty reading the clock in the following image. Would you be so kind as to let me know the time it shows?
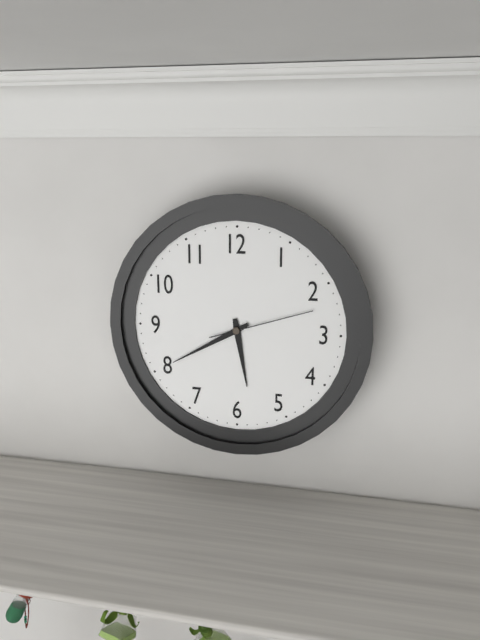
5:40:12
